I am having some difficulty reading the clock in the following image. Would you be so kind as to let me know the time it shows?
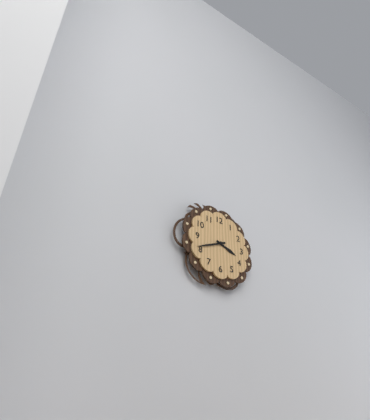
3:41
